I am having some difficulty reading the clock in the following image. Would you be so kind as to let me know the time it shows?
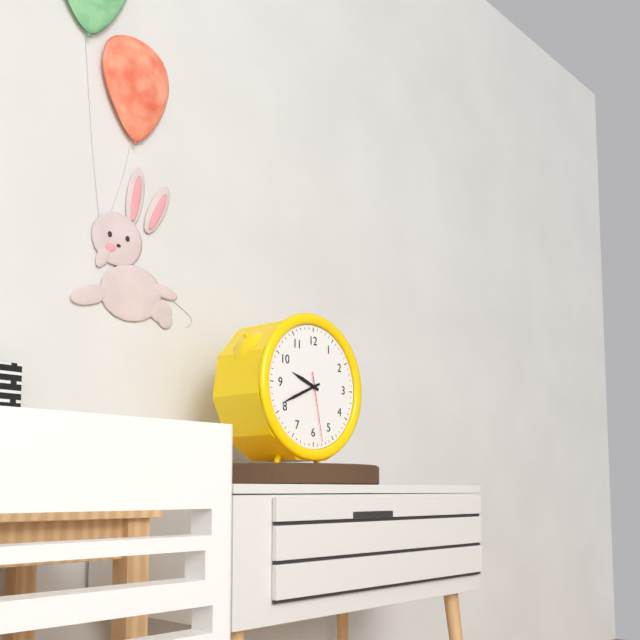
9:41:28
